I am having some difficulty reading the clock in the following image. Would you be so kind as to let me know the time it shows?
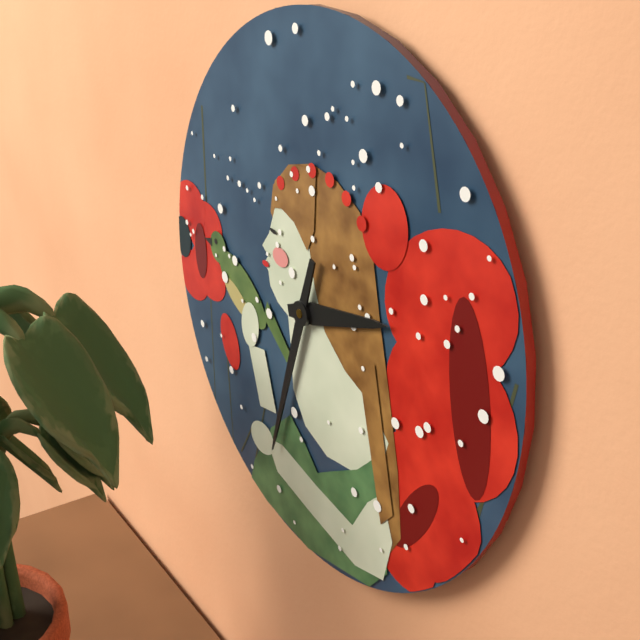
2:33
